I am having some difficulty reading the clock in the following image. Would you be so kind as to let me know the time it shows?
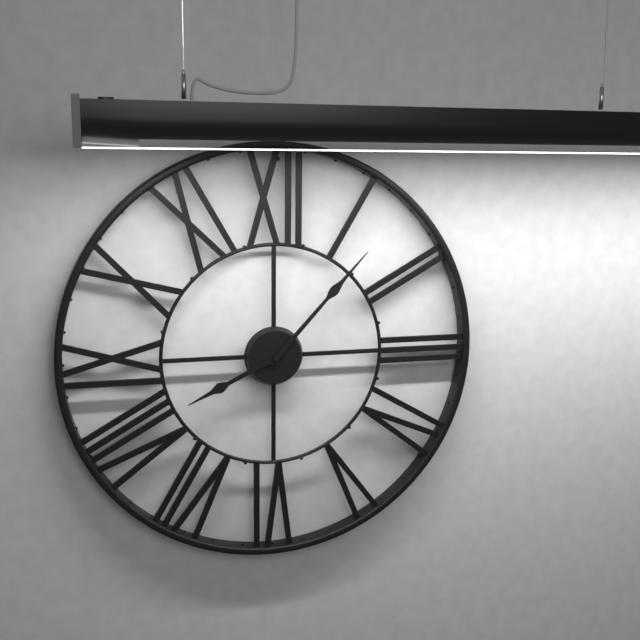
8:07
